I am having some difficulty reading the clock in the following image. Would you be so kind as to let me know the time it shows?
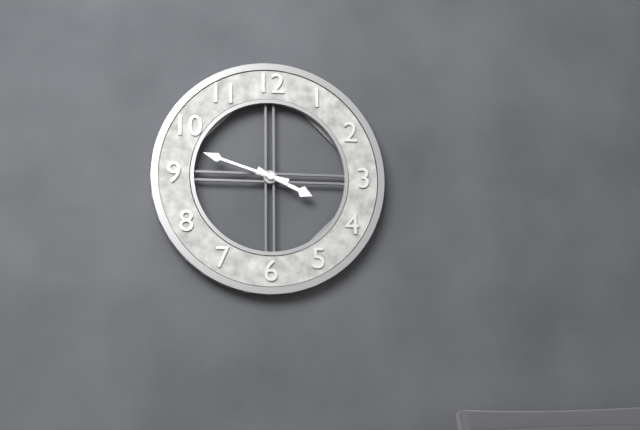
3:48
